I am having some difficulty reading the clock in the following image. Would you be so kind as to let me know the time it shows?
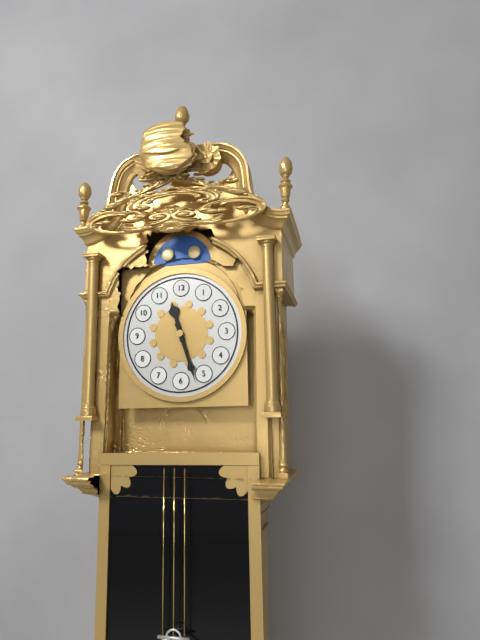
11:27
